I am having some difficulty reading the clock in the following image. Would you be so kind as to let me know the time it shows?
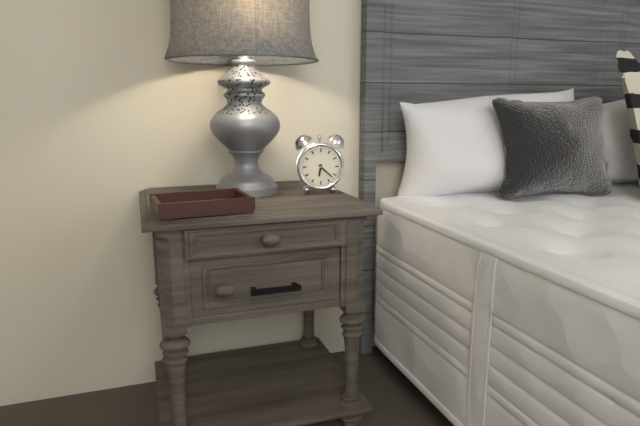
6:22
